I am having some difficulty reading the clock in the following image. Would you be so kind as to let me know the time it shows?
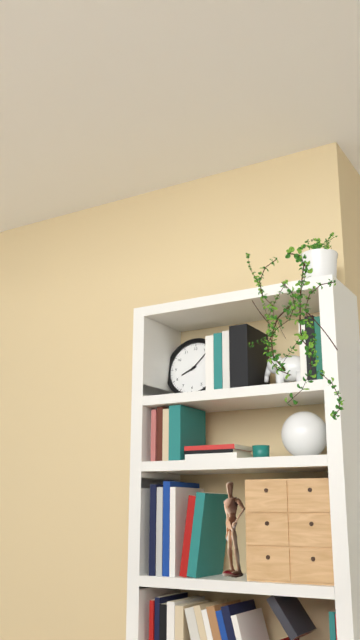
8:07
